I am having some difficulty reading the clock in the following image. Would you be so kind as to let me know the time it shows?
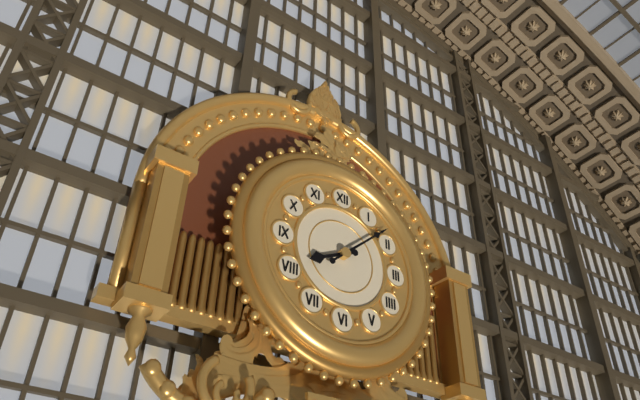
8:08
